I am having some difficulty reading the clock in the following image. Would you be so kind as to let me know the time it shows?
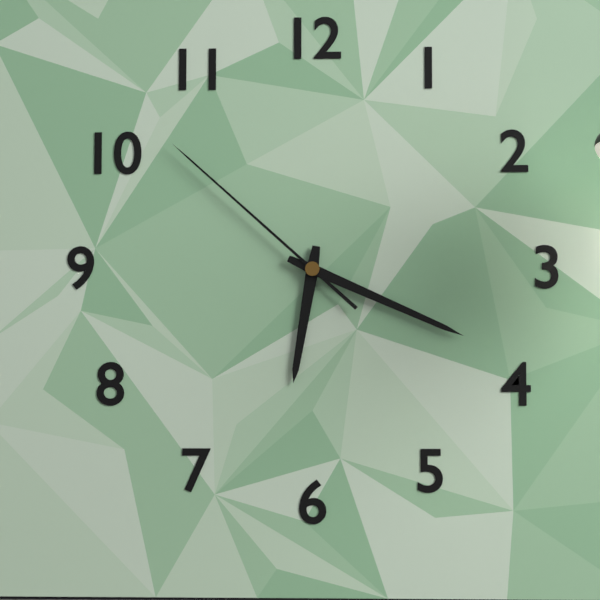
6:19:52
